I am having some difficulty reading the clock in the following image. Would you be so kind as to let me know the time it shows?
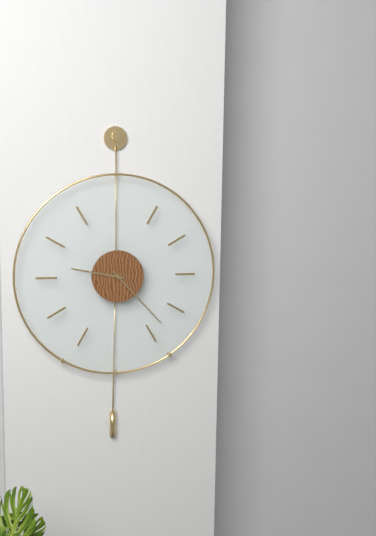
9:23
